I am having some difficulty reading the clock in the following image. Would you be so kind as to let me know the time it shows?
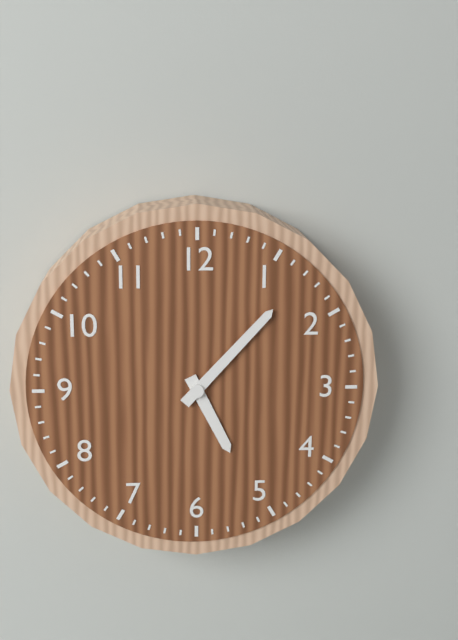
5:07
